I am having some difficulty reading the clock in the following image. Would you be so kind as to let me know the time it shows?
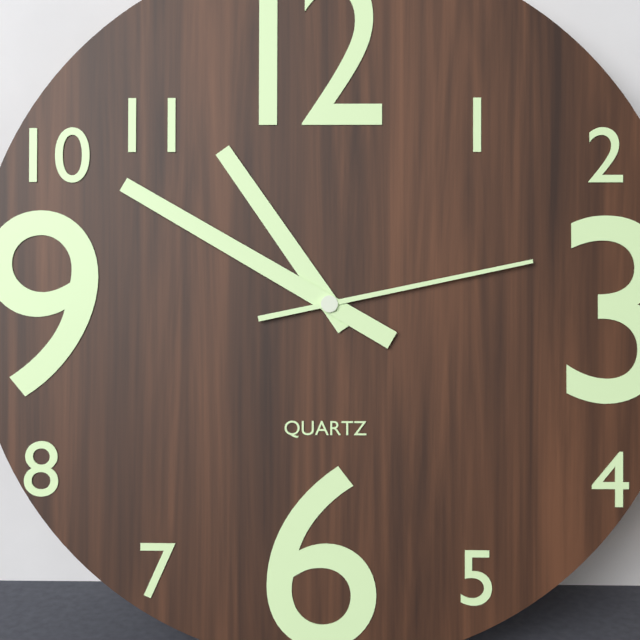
10:50:13
